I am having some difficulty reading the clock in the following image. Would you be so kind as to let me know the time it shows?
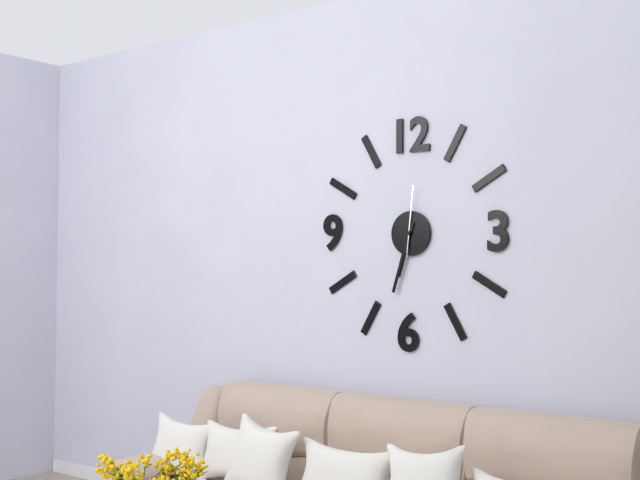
6:33:01
